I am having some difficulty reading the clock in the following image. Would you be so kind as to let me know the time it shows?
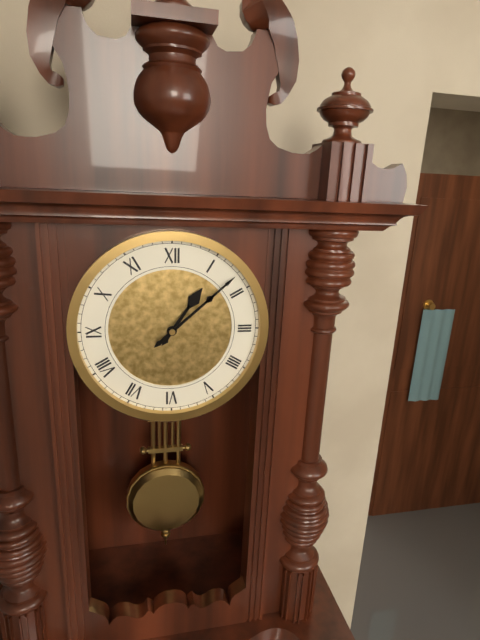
1:08
